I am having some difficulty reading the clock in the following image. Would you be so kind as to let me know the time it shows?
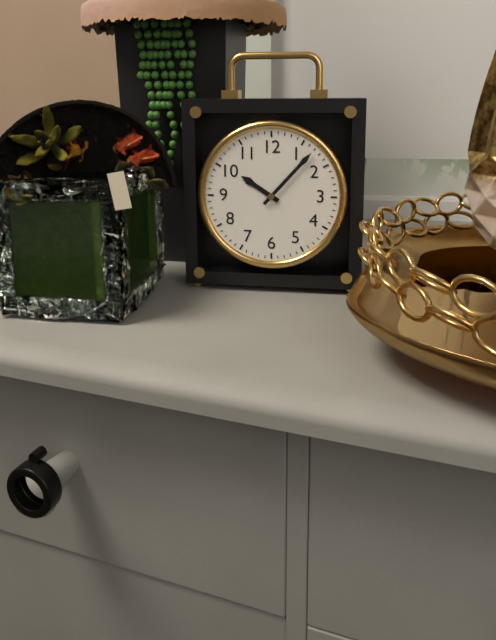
10:07
